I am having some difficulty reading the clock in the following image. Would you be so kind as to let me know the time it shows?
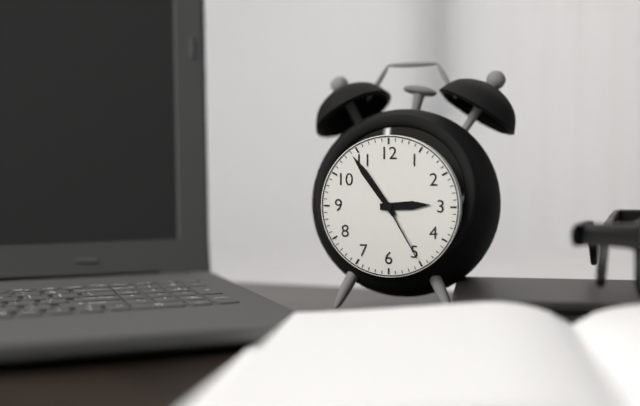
2:54:25
